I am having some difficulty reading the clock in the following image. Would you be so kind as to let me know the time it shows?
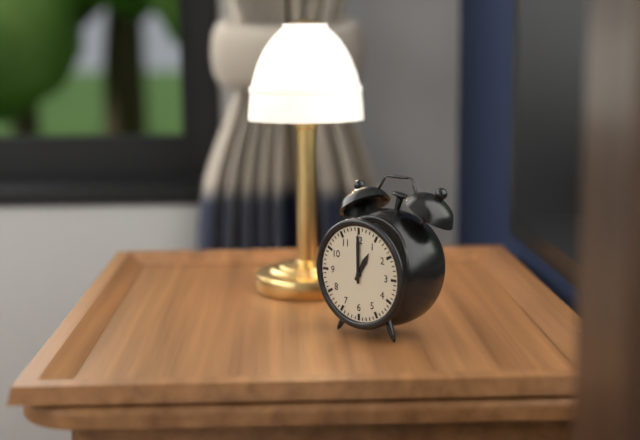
1:00
